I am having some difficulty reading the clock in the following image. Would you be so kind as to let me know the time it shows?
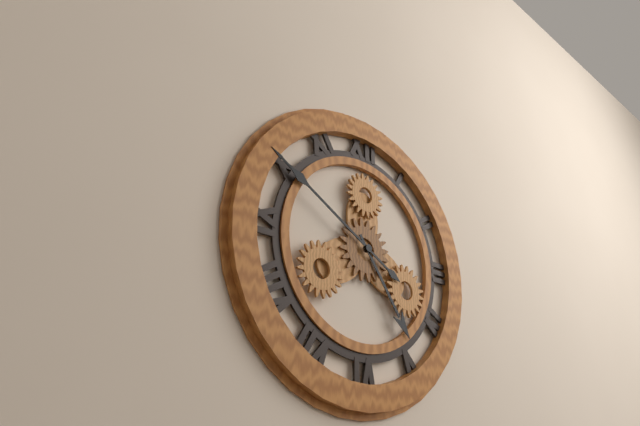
4:50
